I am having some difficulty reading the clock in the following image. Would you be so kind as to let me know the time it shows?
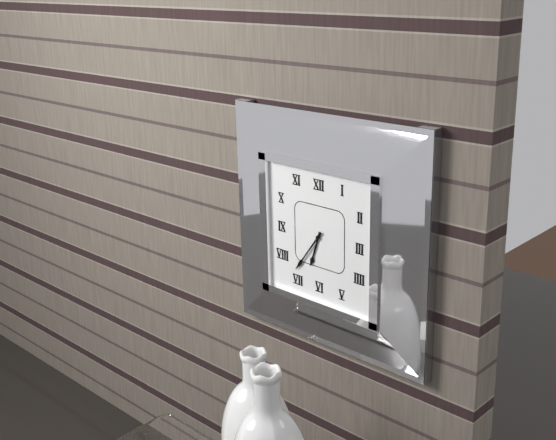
6:36
